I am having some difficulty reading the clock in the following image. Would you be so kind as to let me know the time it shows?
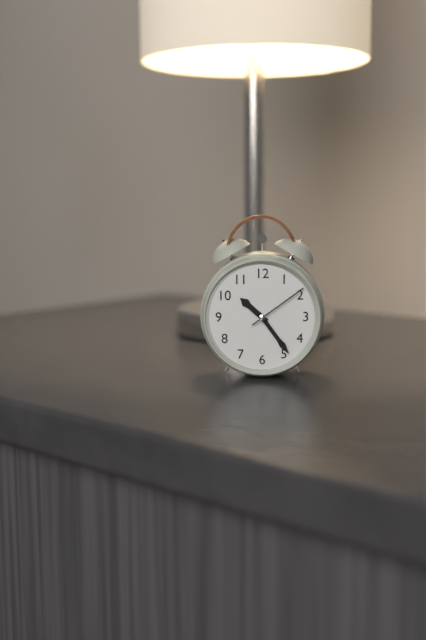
10:24:09
